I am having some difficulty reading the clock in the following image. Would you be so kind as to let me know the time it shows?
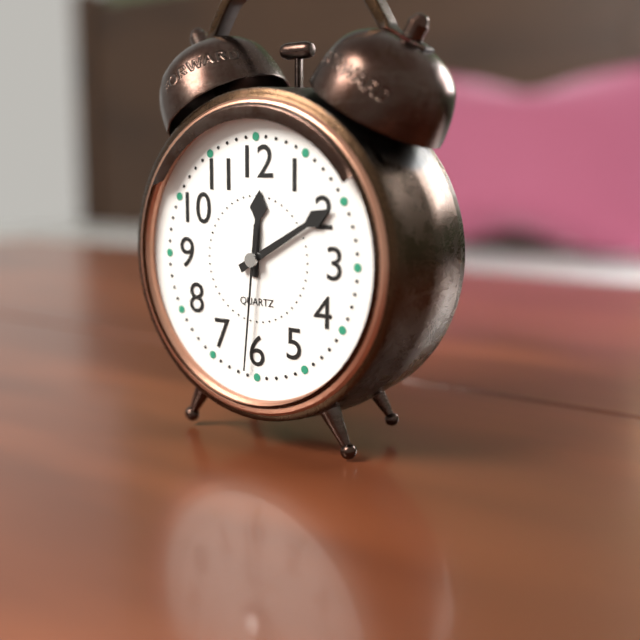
12:10:31
